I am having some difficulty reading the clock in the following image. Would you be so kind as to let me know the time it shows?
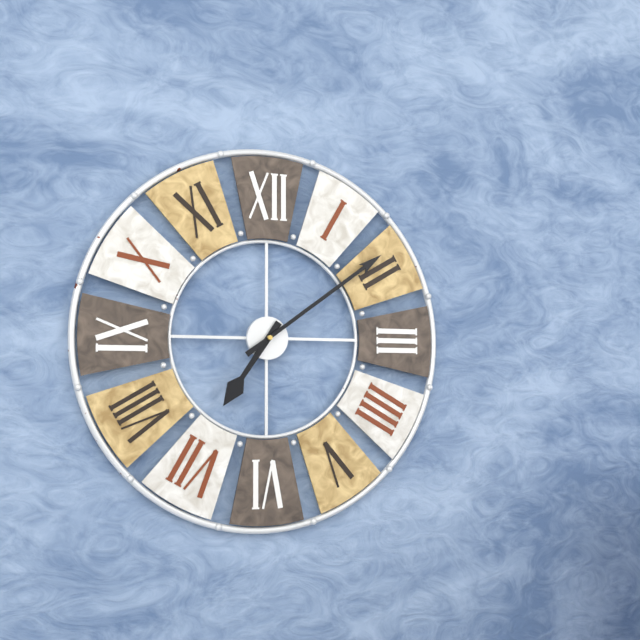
7:09
